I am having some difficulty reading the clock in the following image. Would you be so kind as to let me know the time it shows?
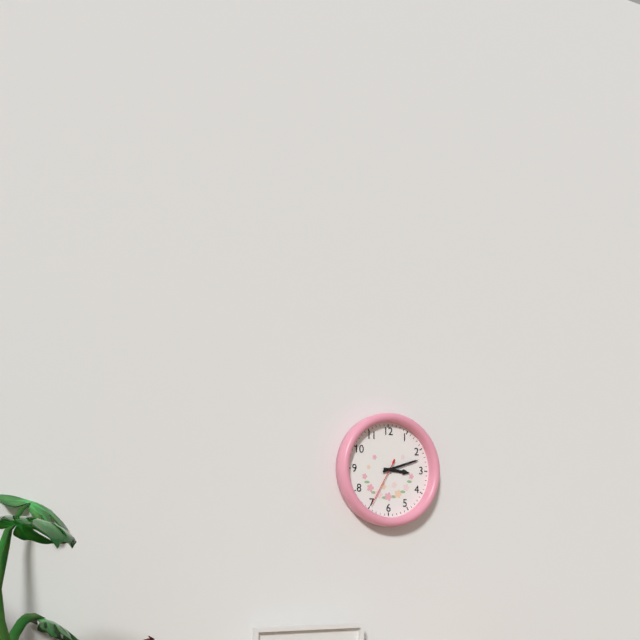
3:12
